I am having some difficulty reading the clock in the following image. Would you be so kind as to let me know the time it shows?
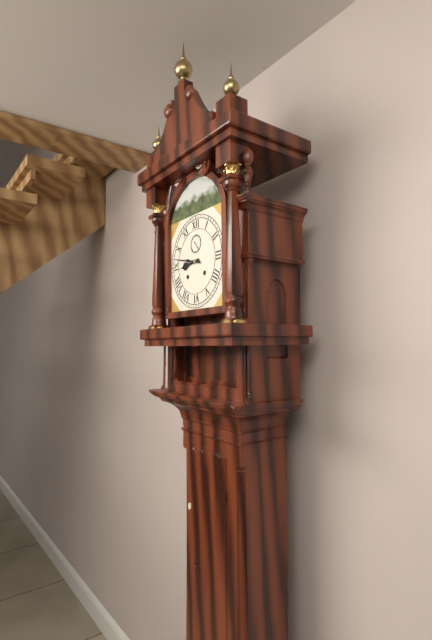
8:47
